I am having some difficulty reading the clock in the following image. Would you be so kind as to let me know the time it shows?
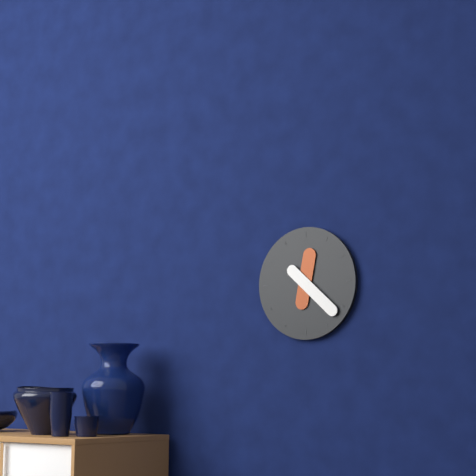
12:22
